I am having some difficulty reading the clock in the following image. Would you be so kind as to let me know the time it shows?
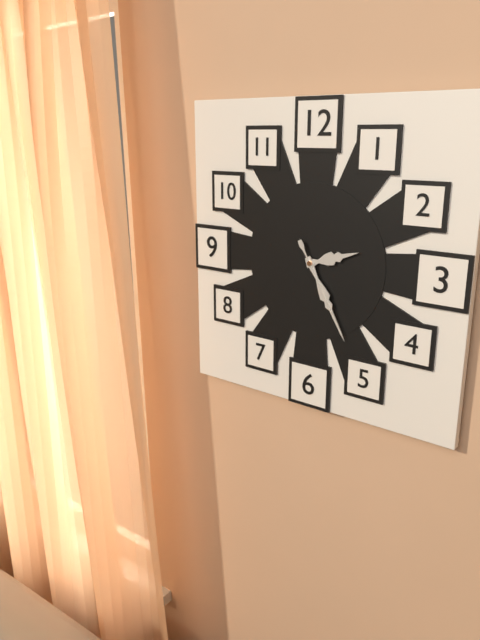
2:25:25
